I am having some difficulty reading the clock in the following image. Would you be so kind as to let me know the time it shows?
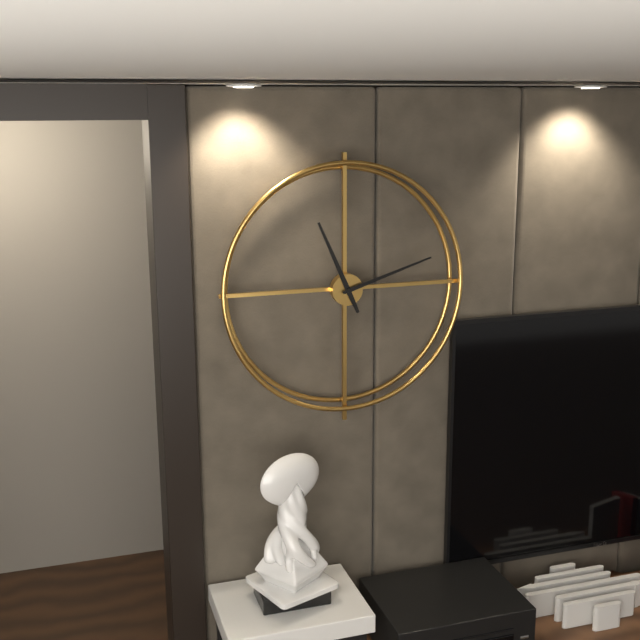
11:12
